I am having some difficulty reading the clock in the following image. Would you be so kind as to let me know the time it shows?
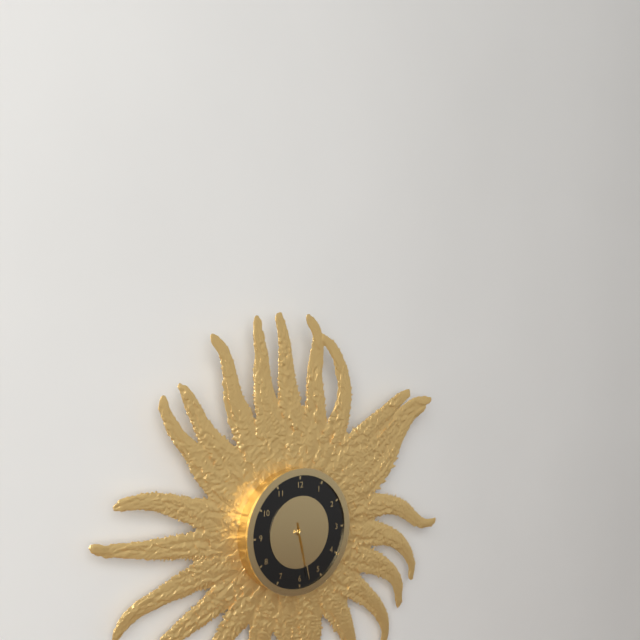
3:28
